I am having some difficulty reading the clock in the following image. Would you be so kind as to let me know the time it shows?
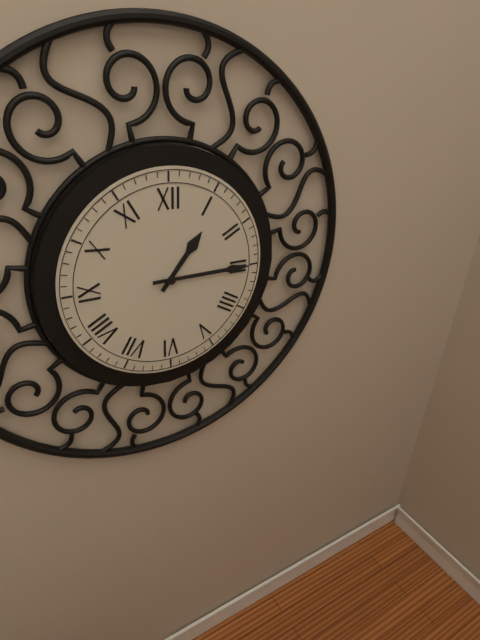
1:15
